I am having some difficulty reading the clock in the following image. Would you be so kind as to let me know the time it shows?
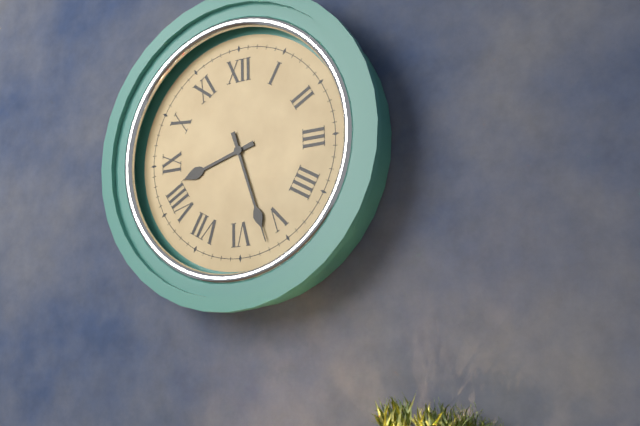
8:27
